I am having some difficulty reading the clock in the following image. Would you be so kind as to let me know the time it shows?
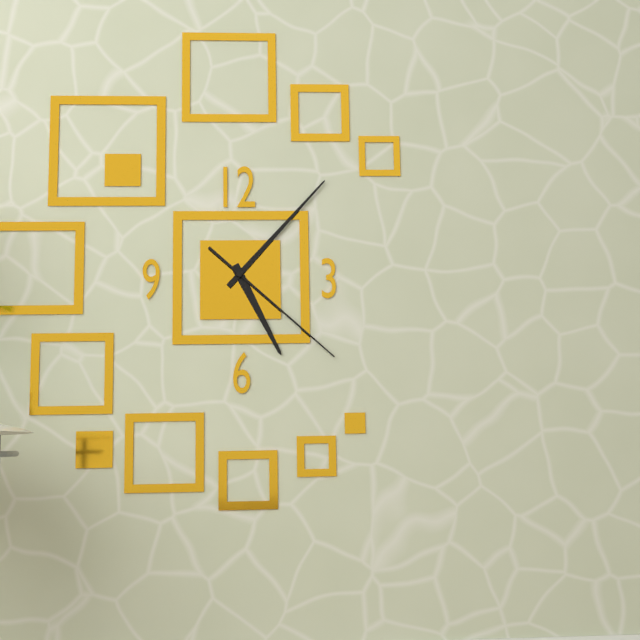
5:07:22
